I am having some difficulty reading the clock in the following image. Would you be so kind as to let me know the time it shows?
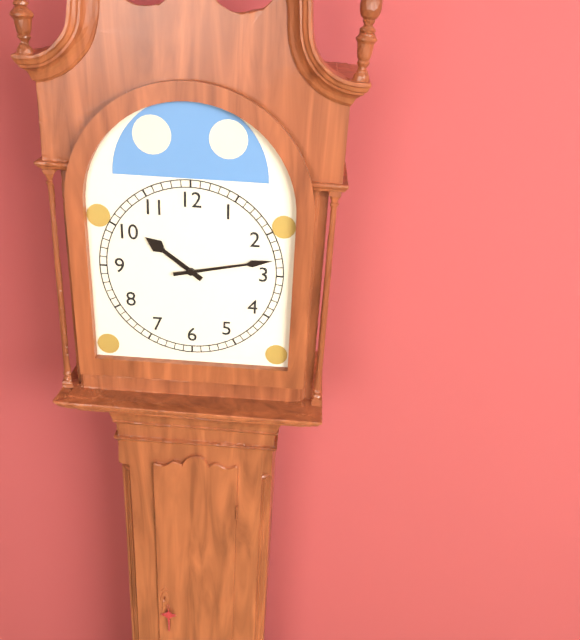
10:13
